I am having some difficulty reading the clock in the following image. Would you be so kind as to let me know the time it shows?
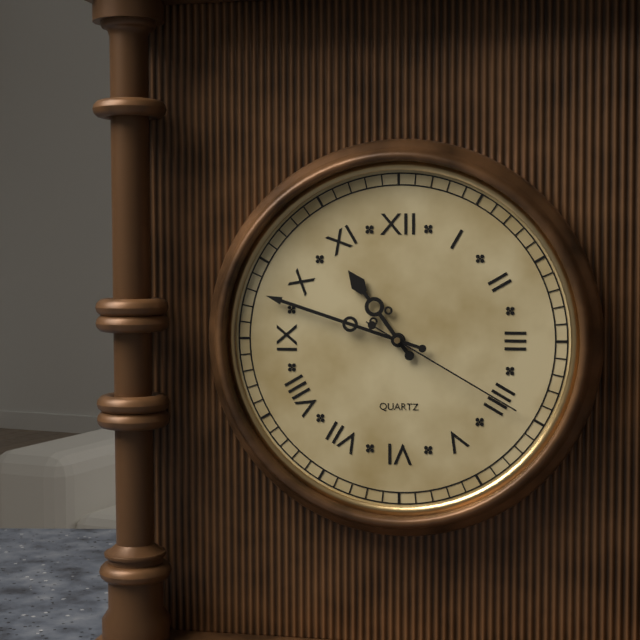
10:48:20
